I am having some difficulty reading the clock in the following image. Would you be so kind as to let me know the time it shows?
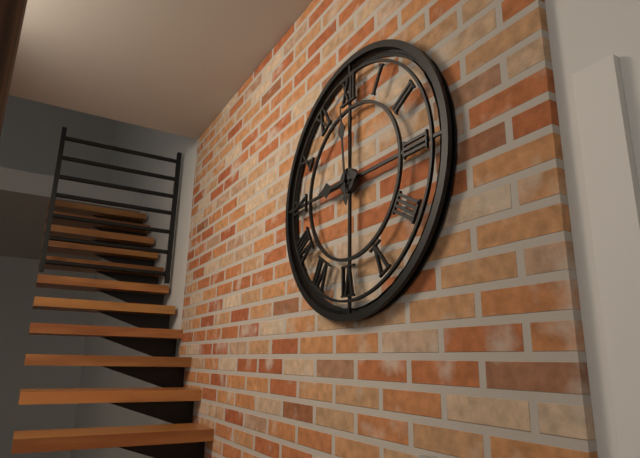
8:59
